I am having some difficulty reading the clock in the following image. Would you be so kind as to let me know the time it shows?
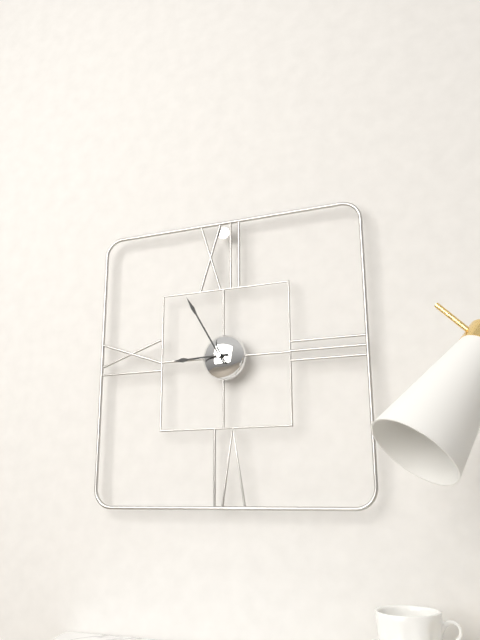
8:55
